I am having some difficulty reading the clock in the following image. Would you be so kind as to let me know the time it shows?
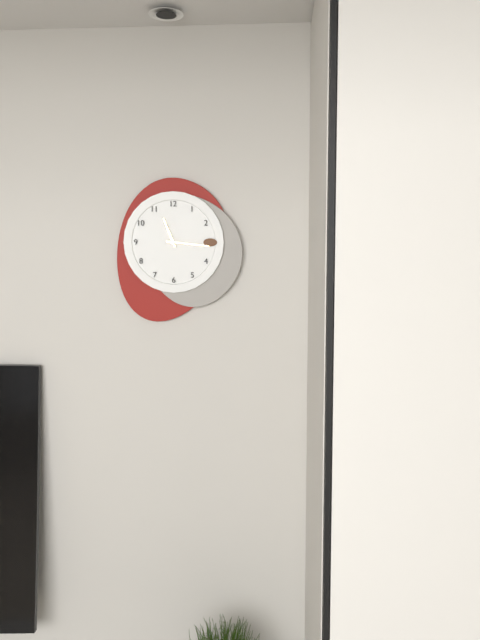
11:16
